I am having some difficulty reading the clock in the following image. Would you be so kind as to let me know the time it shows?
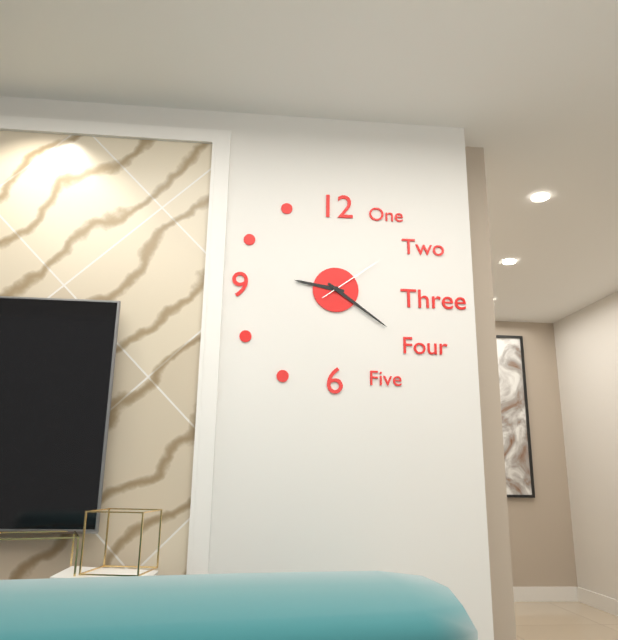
9:21:09
